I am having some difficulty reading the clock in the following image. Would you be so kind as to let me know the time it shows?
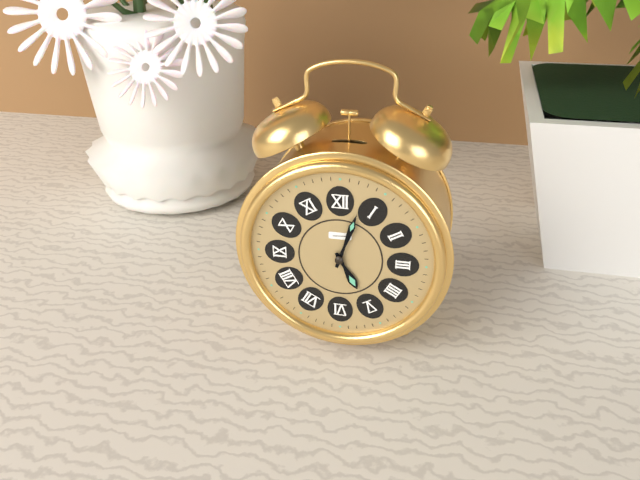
5:03
